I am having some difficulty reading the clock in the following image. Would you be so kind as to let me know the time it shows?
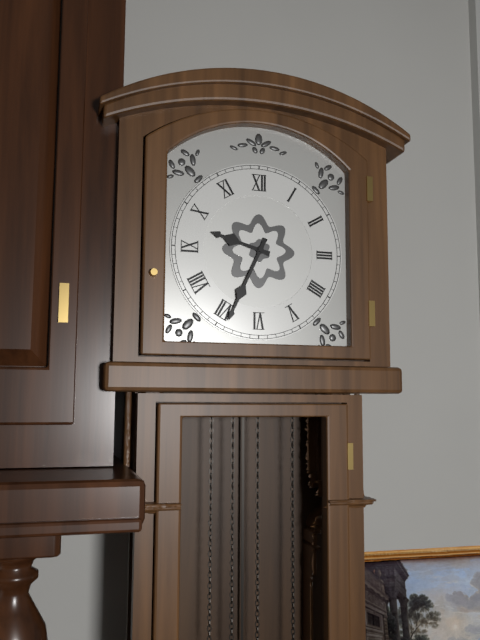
9:34
